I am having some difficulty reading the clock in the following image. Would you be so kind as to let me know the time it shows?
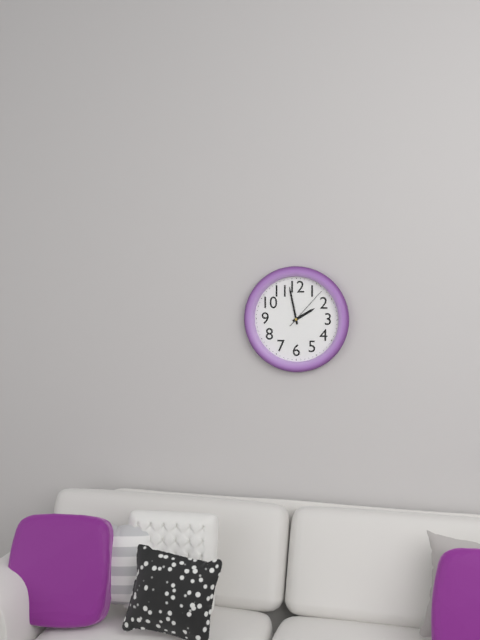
1:58
